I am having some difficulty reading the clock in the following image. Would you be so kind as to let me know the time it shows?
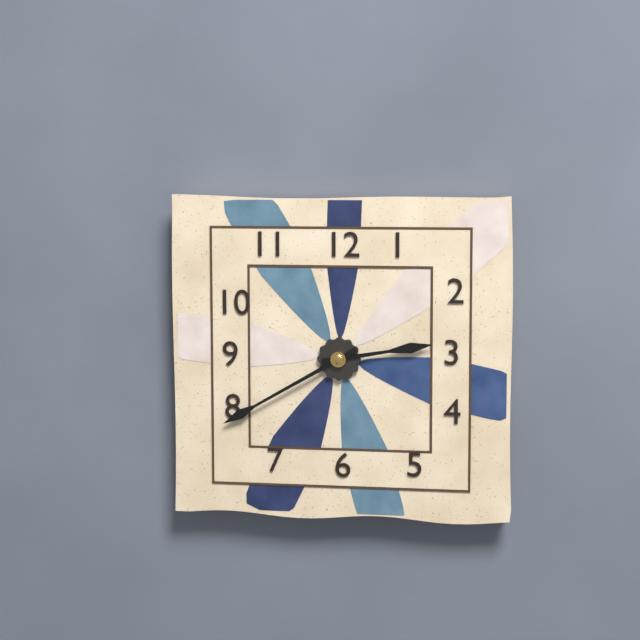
2:40
